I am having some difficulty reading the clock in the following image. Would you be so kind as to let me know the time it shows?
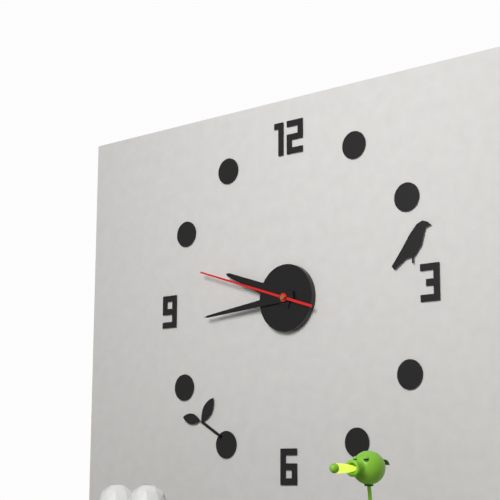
9:44:48
